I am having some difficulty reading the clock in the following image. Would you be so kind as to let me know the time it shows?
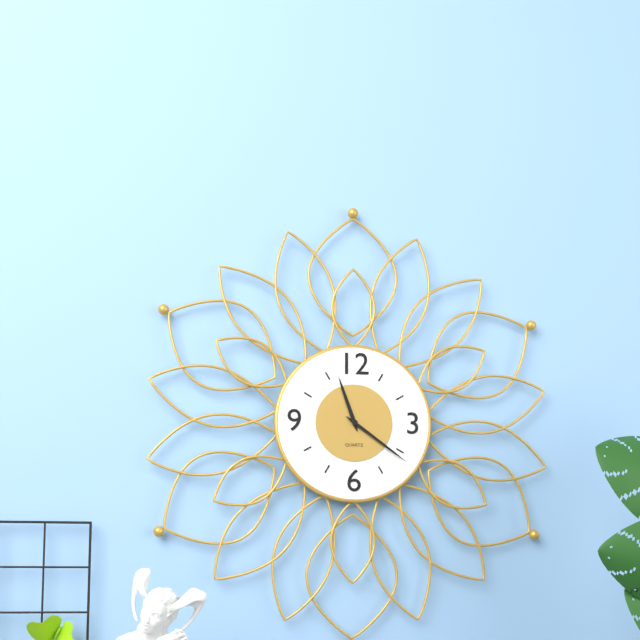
11:21
